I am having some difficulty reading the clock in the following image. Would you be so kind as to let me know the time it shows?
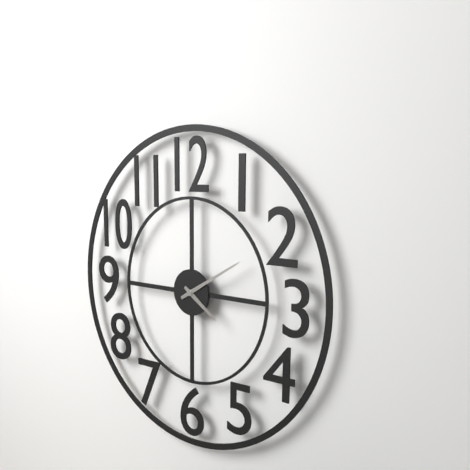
4:10
